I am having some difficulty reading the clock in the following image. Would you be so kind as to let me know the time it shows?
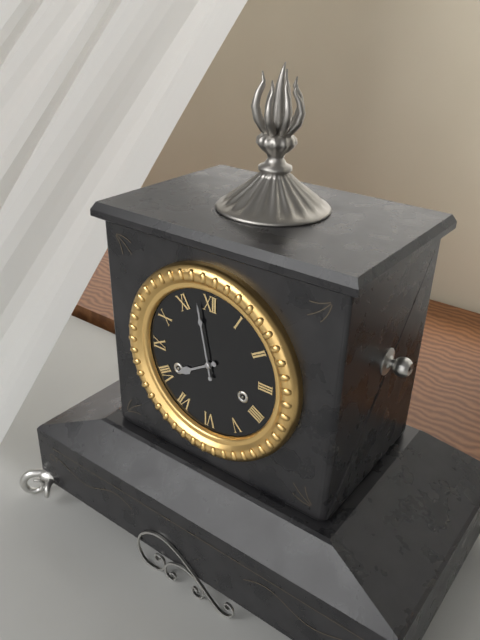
7:58
